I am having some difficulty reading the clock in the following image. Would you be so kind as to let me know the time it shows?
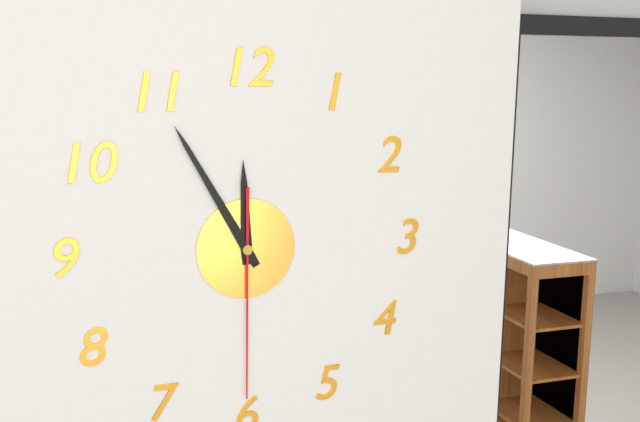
11:55:30
